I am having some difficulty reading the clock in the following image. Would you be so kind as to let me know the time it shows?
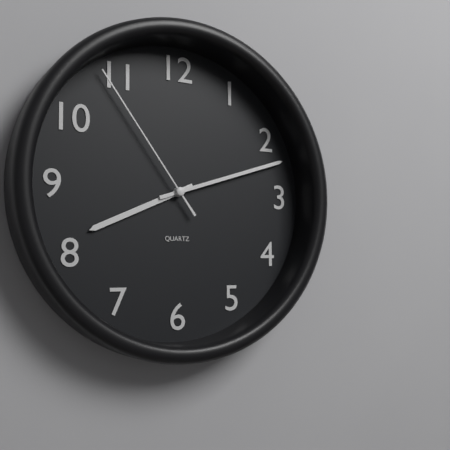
8:12:54
